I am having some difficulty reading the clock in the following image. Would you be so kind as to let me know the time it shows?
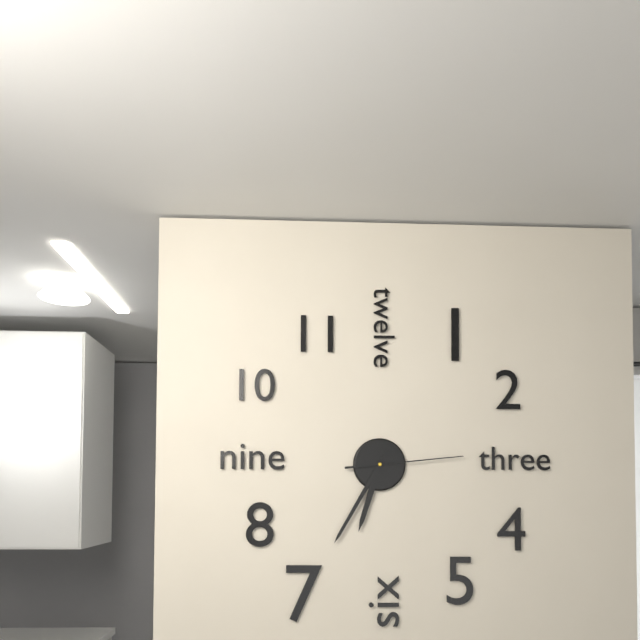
6:35:14
